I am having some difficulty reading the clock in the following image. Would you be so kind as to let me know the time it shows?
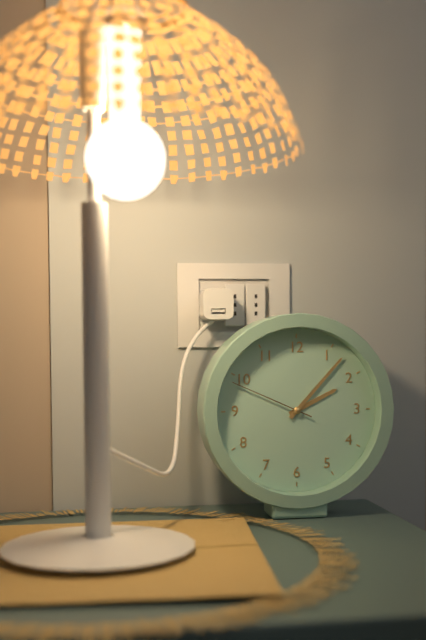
2:07:49
